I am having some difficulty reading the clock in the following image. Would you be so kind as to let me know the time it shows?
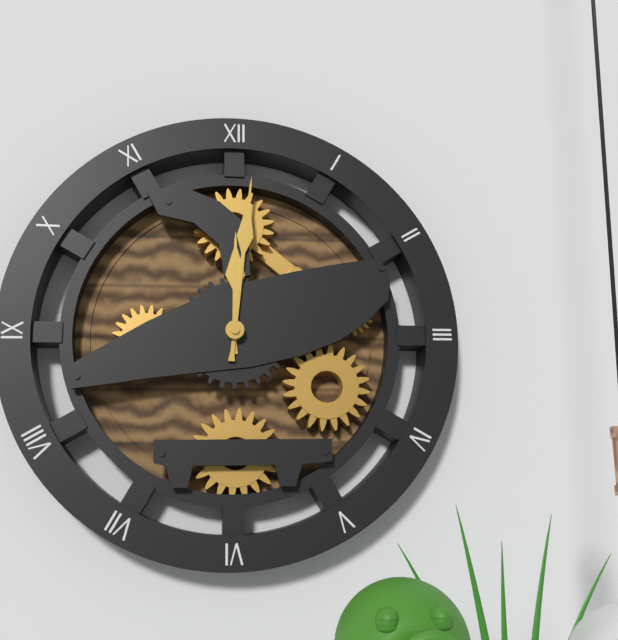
12:01
